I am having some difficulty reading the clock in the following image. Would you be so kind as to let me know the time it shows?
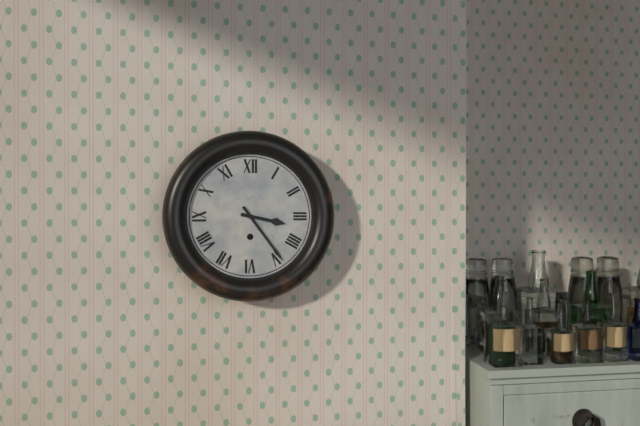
3:24
